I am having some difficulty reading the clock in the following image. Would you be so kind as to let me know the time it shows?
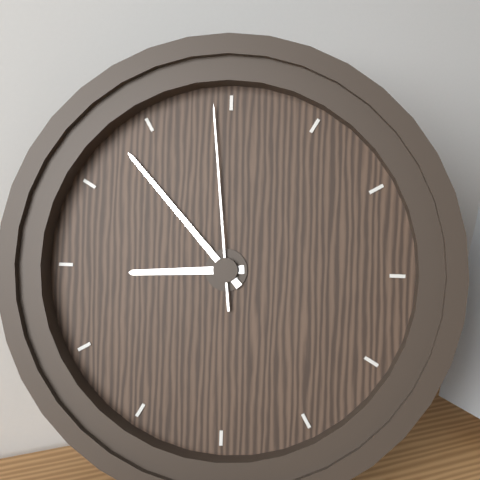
8:53:59
